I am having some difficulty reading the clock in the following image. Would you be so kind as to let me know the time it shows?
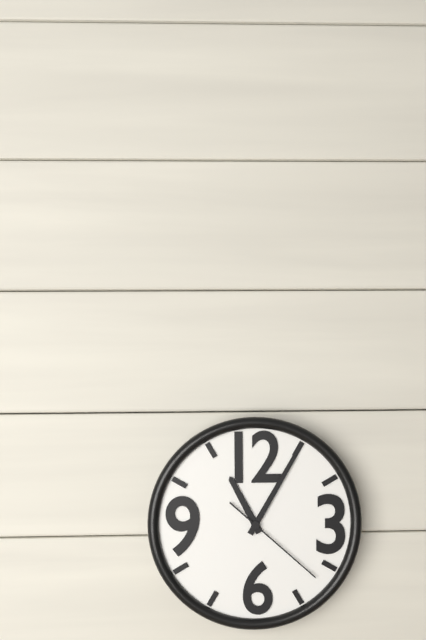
11:05:22
